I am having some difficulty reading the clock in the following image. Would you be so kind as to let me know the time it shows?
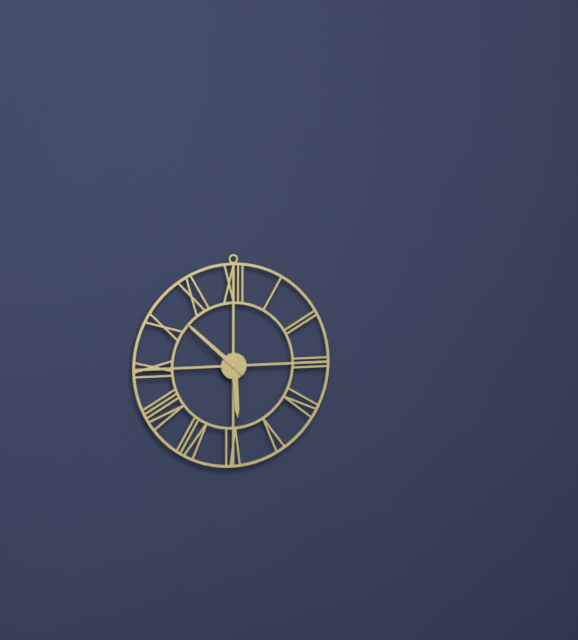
5:52
